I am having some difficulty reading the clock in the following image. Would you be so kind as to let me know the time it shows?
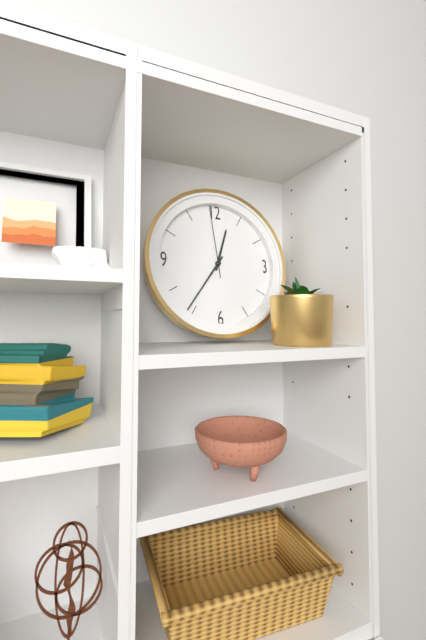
12:36:59
